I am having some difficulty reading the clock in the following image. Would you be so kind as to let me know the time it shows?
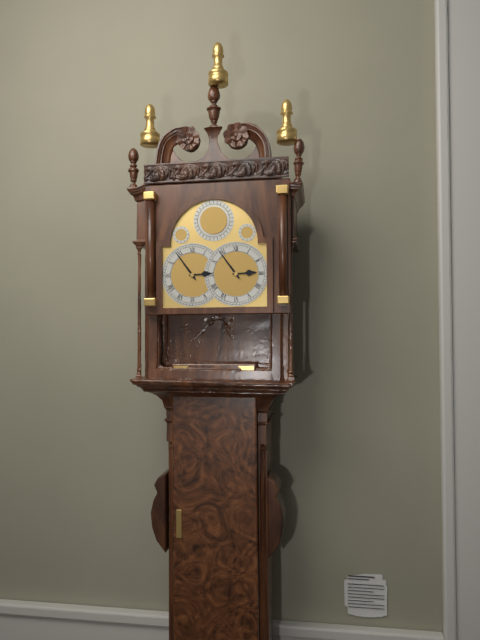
2:54
